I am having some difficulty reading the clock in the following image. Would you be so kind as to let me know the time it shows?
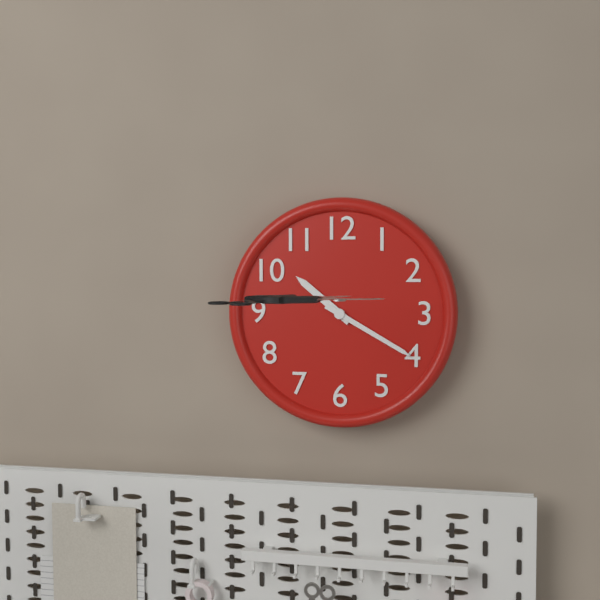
10:20
